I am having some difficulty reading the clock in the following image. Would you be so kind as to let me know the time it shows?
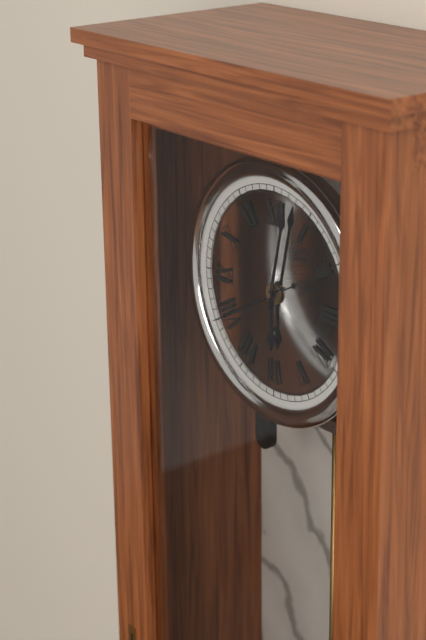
6:02:40
